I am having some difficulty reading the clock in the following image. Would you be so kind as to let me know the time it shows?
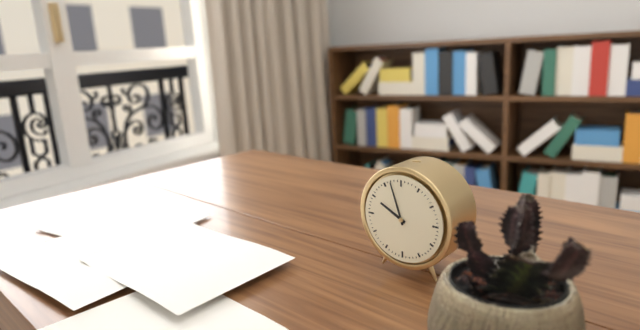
9:57
